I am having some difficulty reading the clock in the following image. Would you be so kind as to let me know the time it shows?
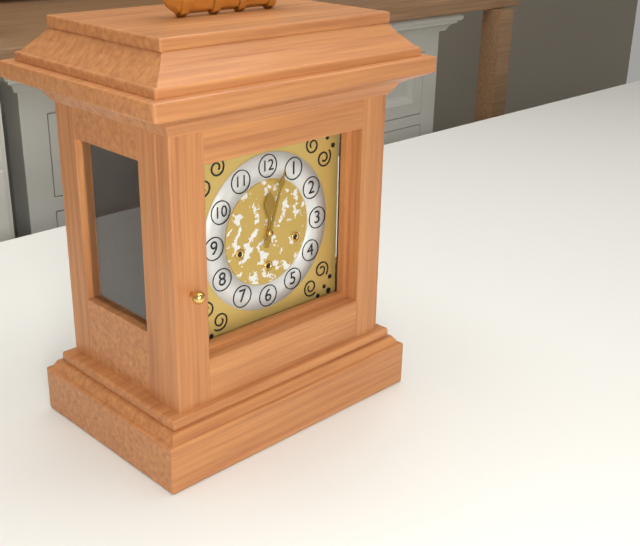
12:03
